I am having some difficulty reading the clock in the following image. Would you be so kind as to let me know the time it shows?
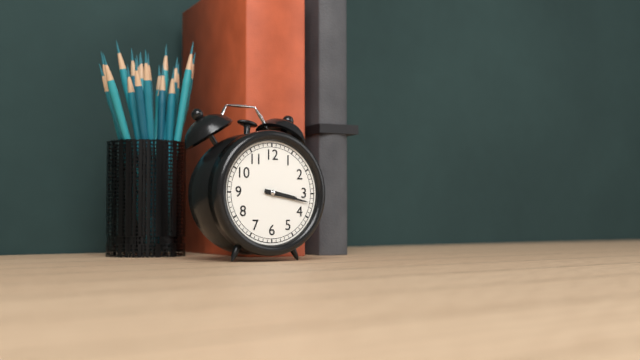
3:17
